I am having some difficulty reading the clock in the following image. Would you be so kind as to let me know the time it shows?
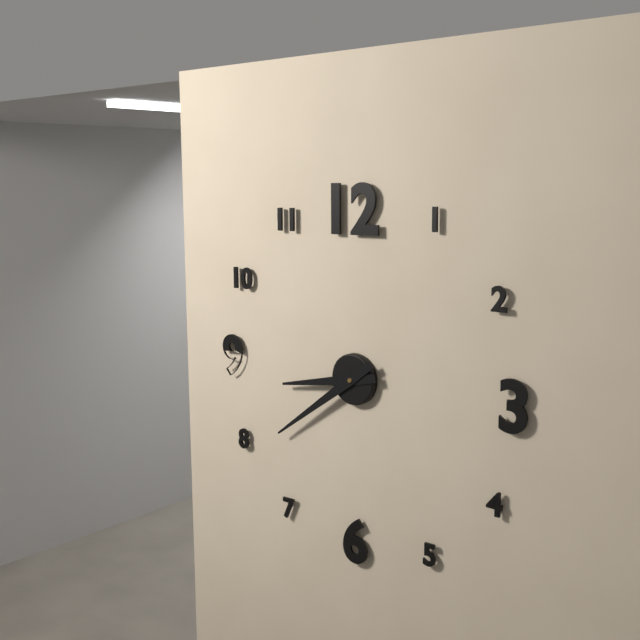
8:39
